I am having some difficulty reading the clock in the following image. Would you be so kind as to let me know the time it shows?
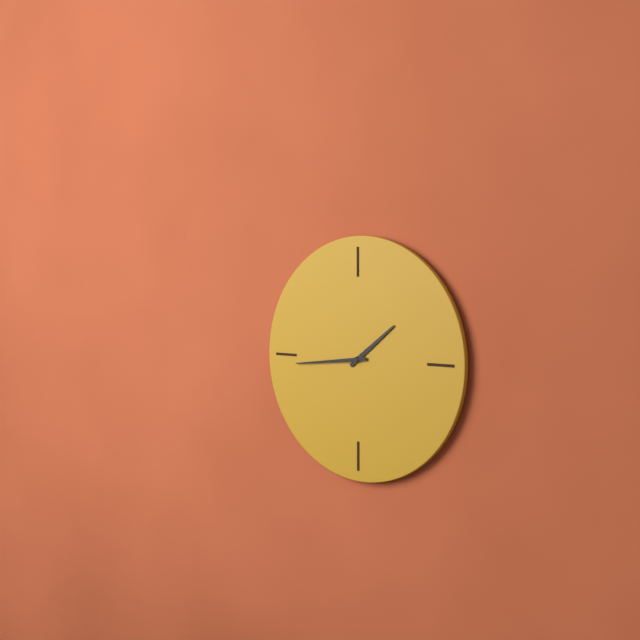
1:44
